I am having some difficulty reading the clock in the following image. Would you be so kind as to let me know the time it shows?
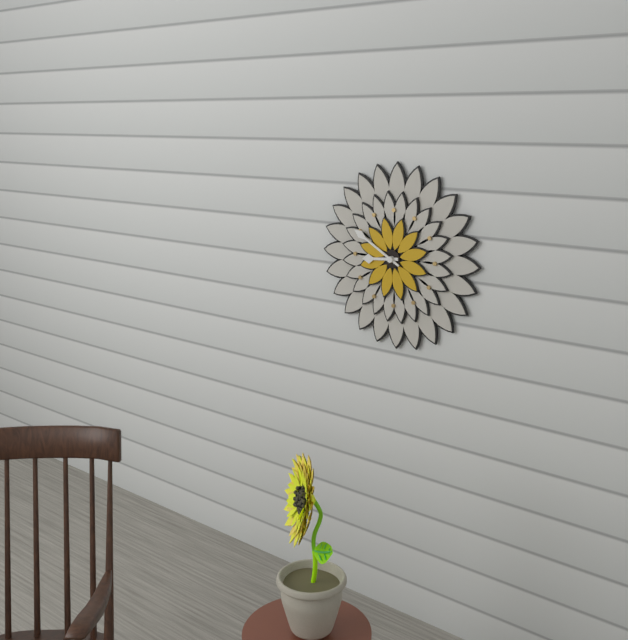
8:50
